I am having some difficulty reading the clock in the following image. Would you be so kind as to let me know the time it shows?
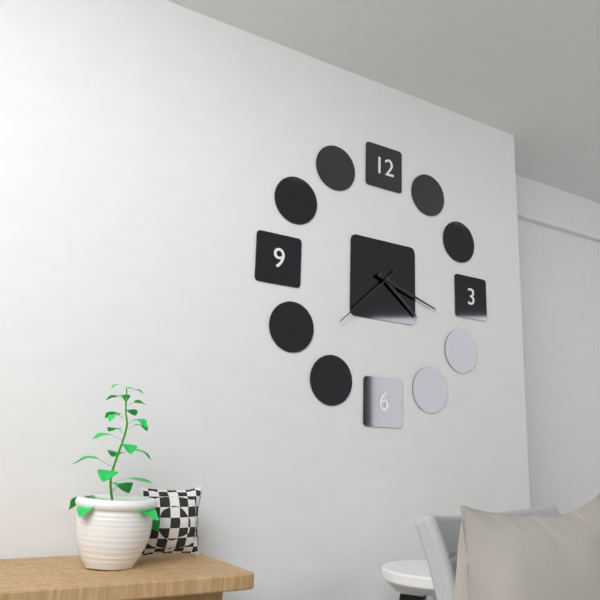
4:18:38
